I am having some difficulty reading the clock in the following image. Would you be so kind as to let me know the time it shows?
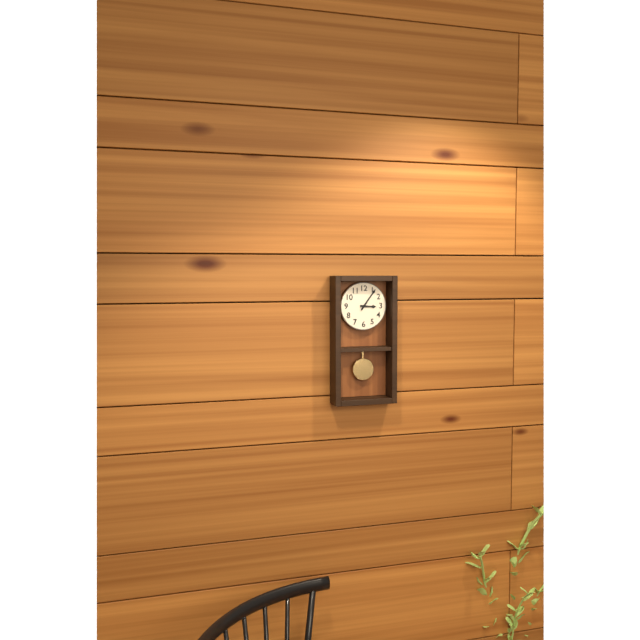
3:06
